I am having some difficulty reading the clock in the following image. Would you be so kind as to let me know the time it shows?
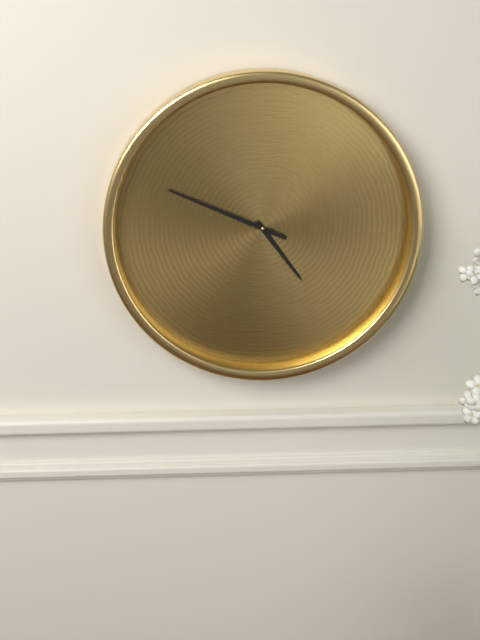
4:49
